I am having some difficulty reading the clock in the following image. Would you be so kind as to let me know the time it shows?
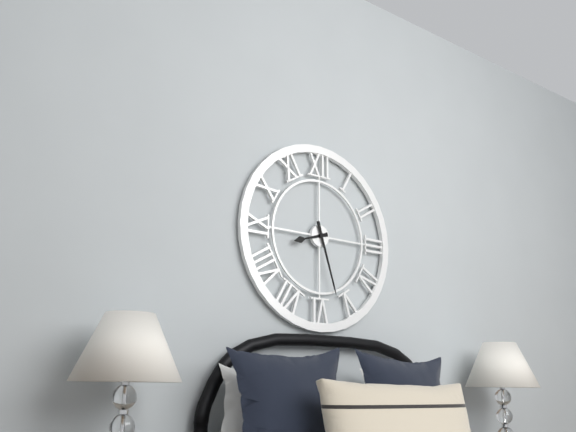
8:27
